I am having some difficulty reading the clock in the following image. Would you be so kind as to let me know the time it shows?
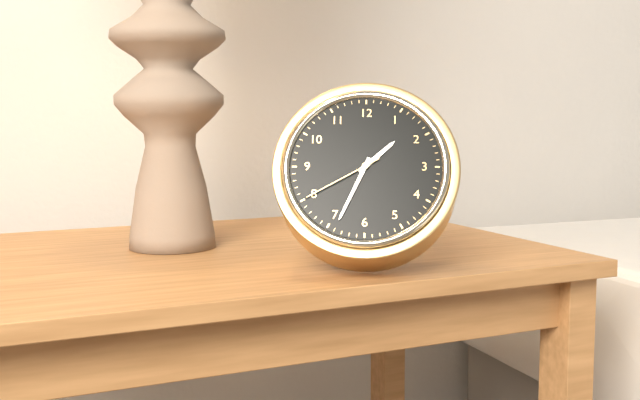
1:34:40
